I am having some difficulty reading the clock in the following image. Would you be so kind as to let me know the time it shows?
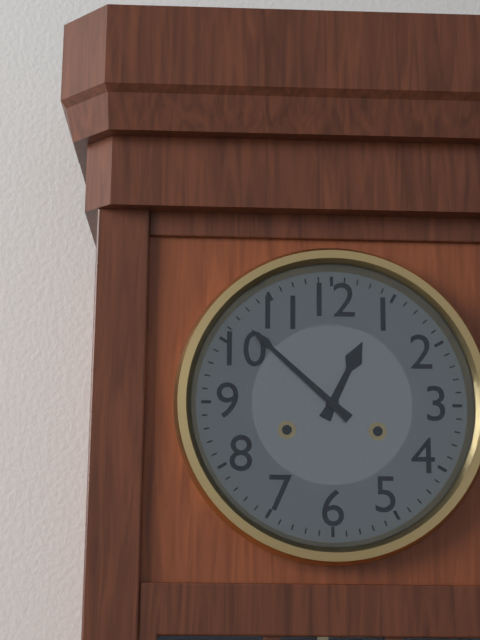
12:52
